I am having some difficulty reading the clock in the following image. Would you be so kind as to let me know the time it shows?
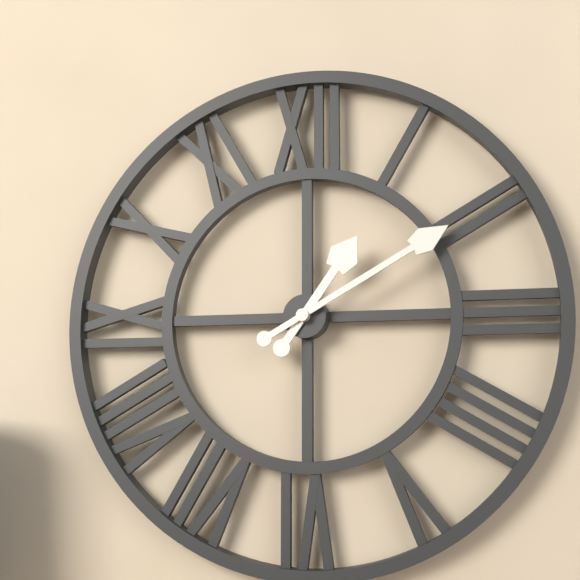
1:10
